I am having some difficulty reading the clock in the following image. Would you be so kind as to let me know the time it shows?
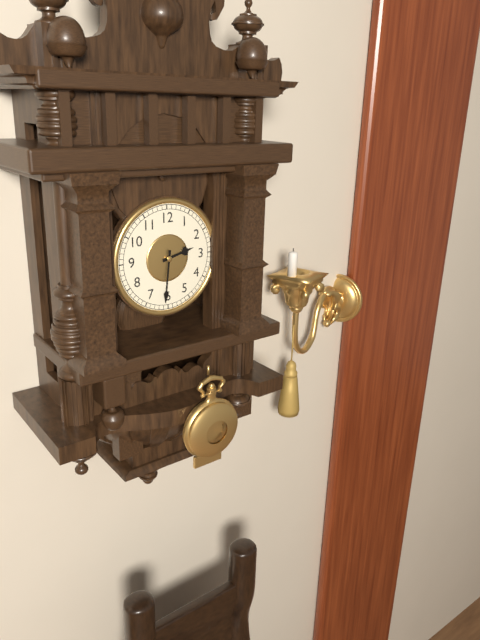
2:31
